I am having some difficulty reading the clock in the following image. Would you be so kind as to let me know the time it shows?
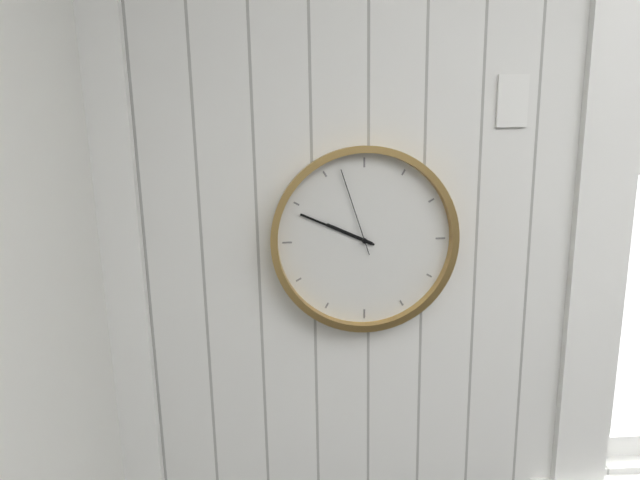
9:49:57
